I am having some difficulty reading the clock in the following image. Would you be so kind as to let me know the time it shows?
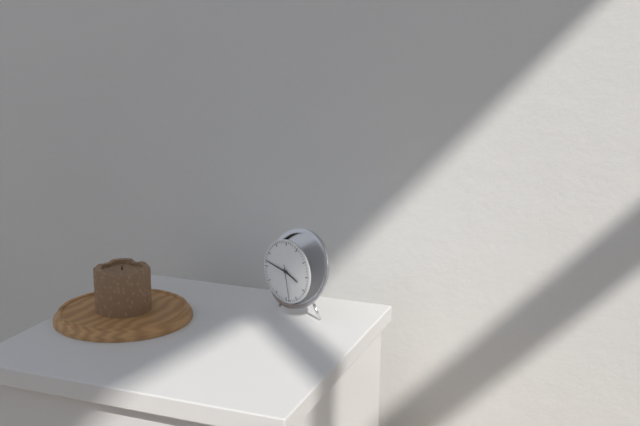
3:47
